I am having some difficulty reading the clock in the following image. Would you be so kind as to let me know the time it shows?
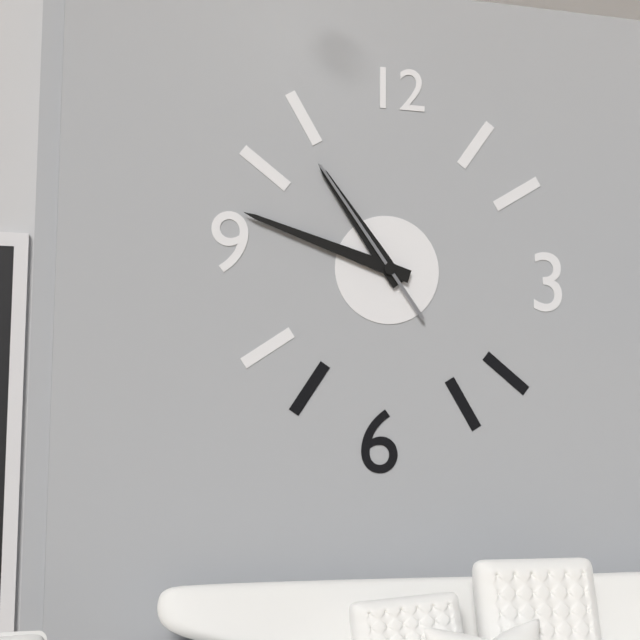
10:48:54
